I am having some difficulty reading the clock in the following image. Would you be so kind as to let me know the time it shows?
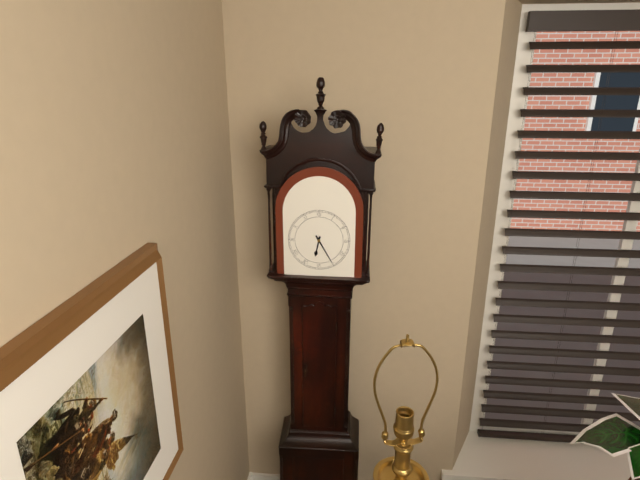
6:25
